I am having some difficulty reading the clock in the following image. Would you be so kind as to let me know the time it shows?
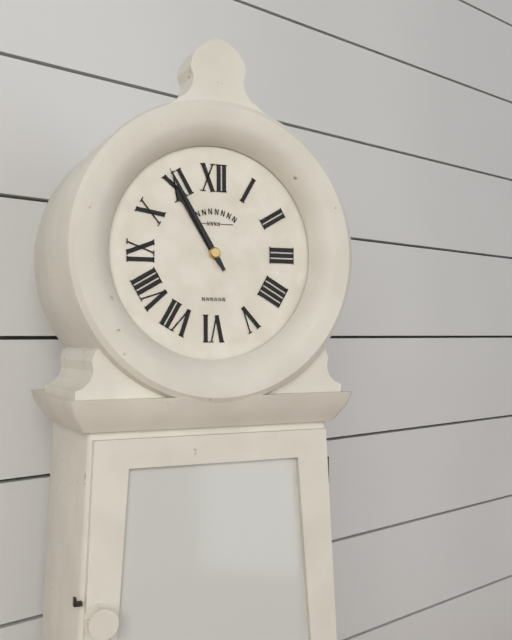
10:55
